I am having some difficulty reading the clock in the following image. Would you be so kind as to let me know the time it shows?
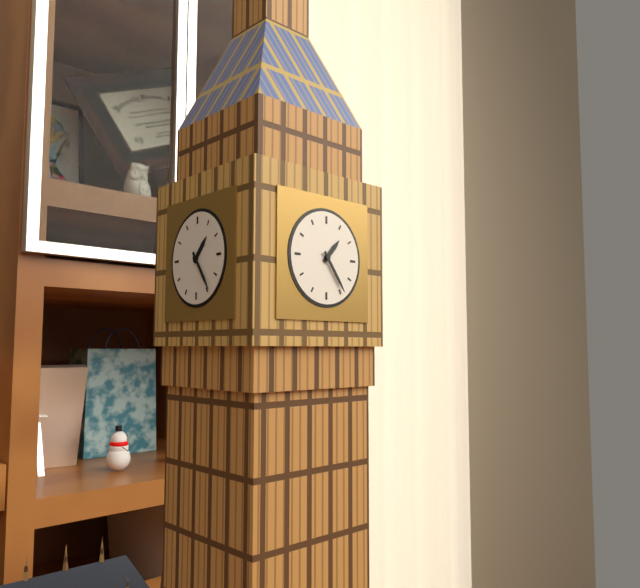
1:24
